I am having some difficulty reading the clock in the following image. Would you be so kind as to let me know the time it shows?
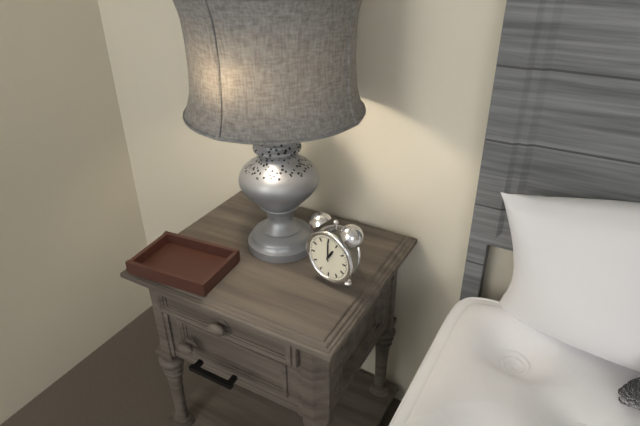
1:00
